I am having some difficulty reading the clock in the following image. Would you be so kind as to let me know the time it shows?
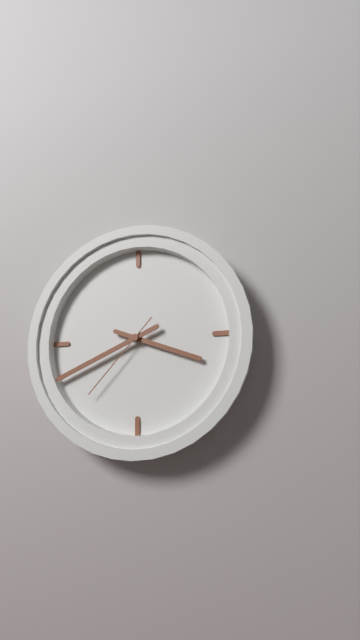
3:41:37
